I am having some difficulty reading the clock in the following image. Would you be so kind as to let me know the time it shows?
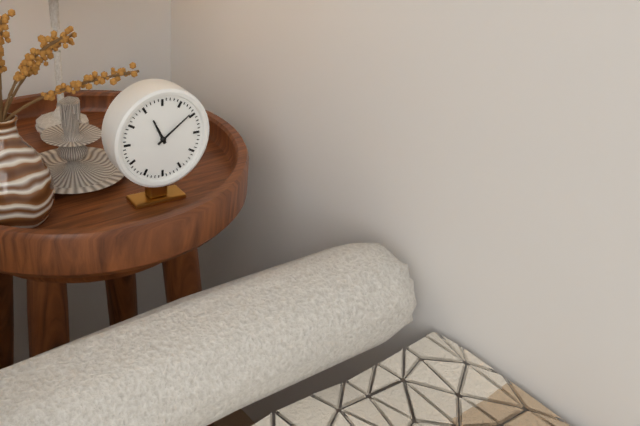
11:09
